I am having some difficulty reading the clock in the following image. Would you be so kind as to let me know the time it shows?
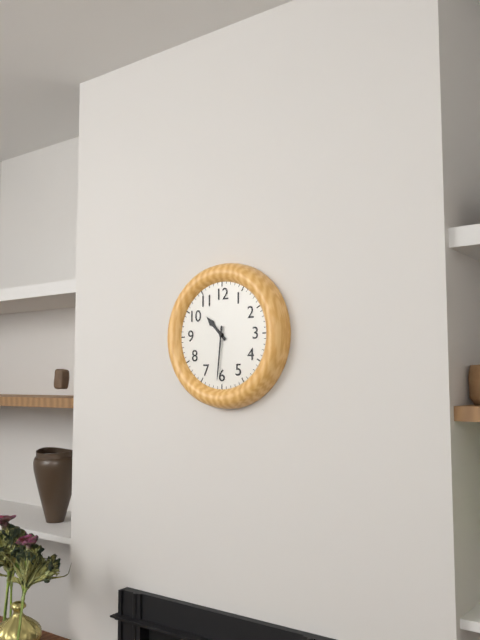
10:31
